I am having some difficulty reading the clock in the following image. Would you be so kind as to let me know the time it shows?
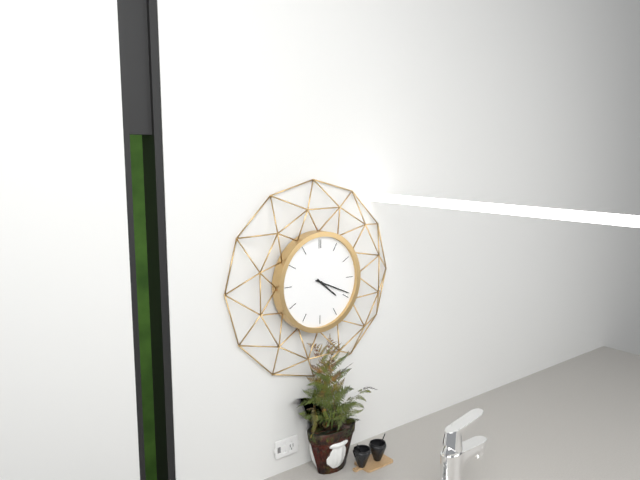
4:19
